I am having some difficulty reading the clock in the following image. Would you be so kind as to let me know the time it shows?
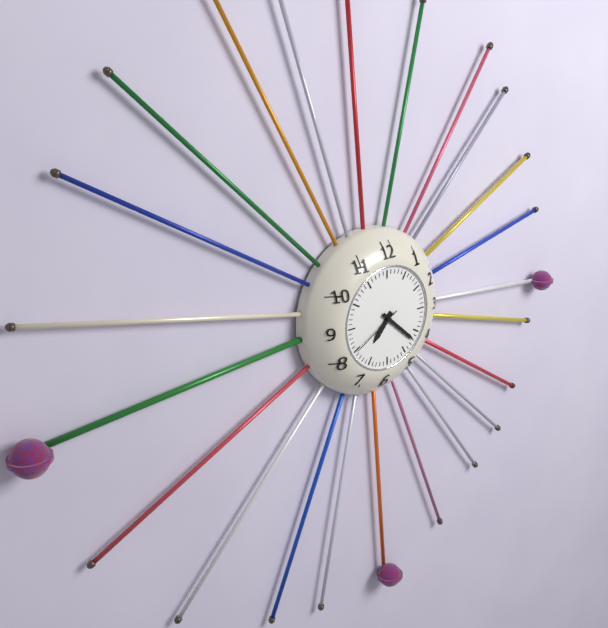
7:22:40
